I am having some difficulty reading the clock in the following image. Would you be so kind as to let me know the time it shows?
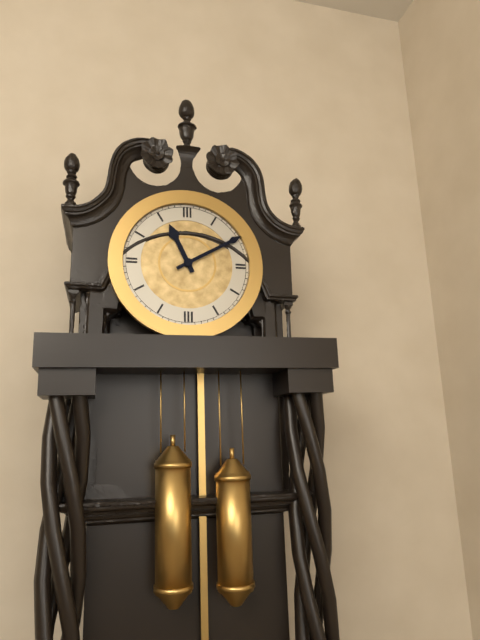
11:10
